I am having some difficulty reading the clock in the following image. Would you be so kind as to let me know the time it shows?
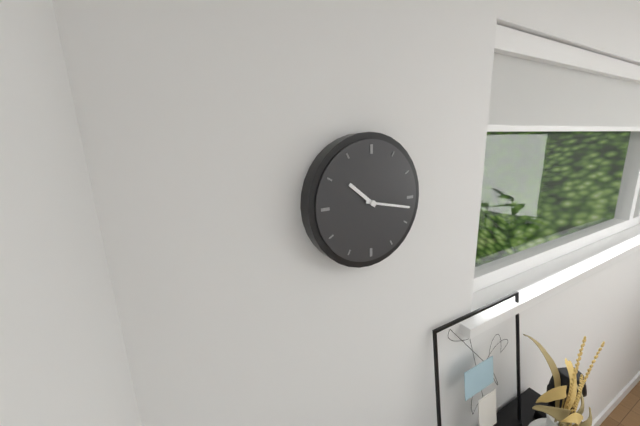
10:17
